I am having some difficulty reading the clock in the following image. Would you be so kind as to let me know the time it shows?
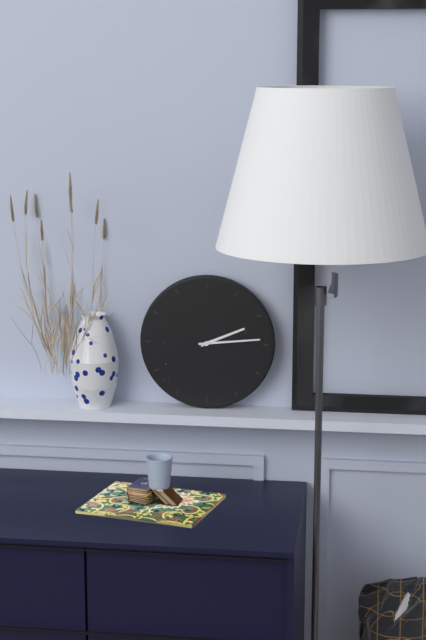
2:14
